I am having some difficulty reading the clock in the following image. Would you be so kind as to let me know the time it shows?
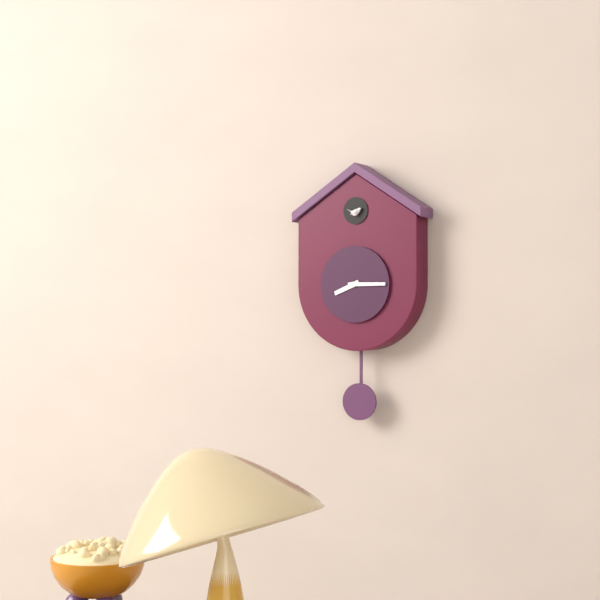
8:15
